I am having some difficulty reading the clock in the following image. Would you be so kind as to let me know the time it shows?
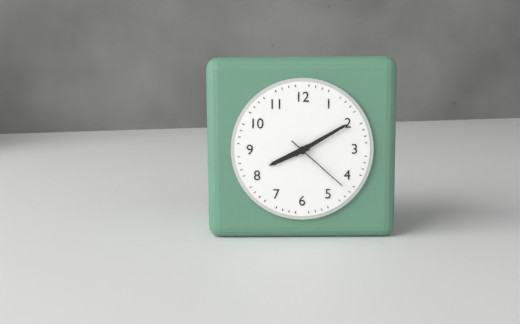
8:10:22
